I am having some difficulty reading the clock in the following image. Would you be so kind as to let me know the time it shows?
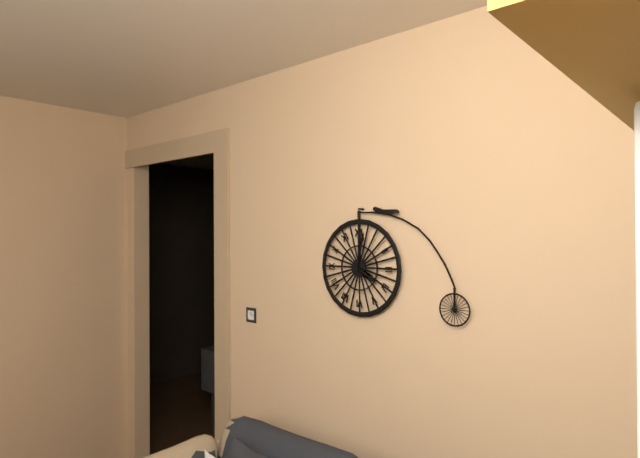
4:02
